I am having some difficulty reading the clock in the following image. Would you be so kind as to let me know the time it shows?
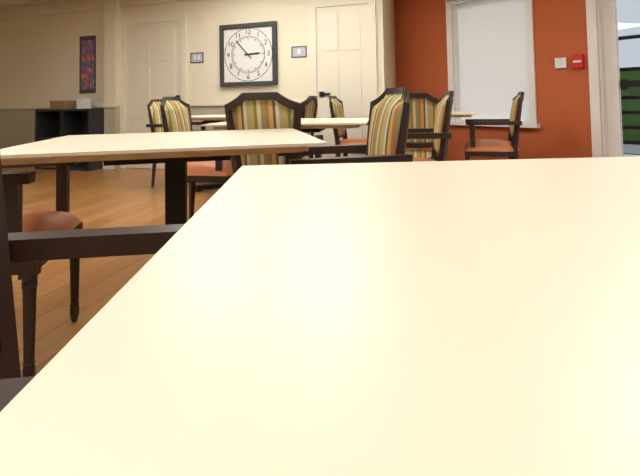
2:53
